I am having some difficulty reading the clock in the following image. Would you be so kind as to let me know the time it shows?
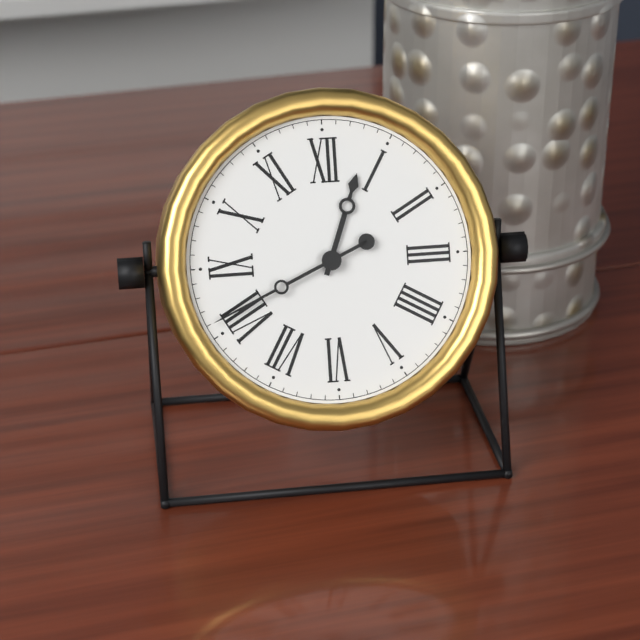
12:41
